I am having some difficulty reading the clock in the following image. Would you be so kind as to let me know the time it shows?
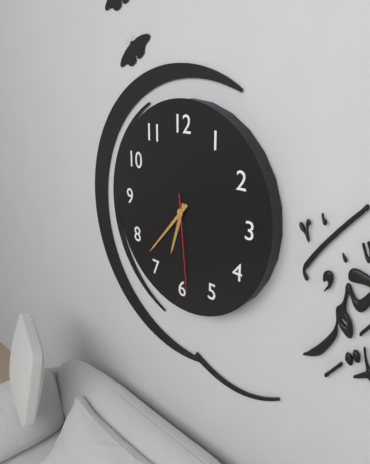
6:37:29
